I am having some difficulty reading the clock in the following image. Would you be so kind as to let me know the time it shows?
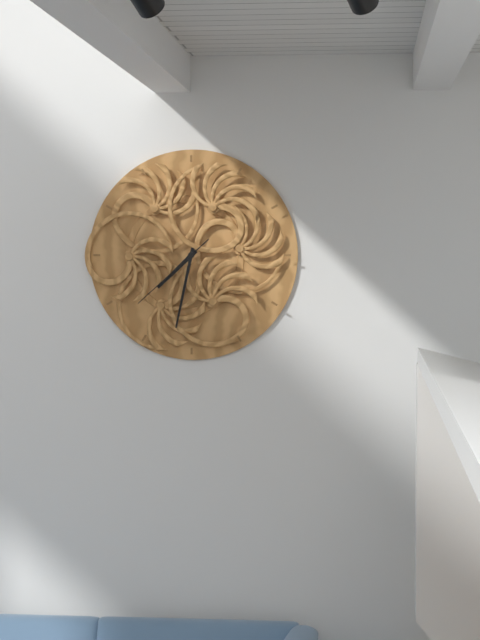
7:32:38
